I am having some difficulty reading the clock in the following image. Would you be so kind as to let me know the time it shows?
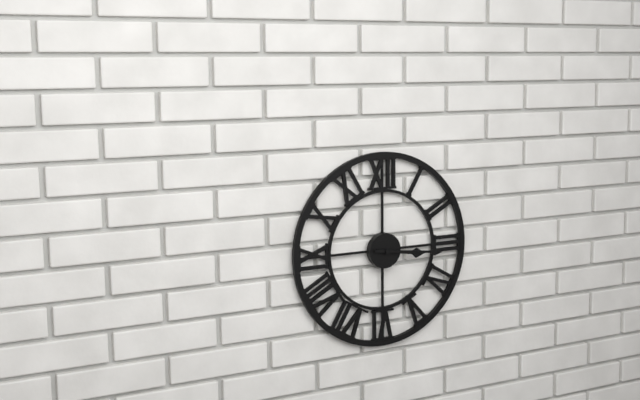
3:16
